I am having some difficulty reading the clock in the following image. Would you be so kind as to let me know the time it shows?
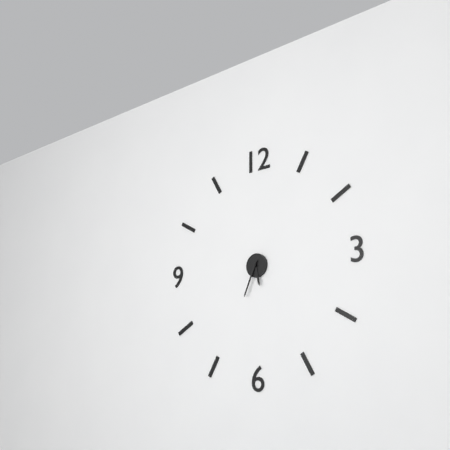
5:34
